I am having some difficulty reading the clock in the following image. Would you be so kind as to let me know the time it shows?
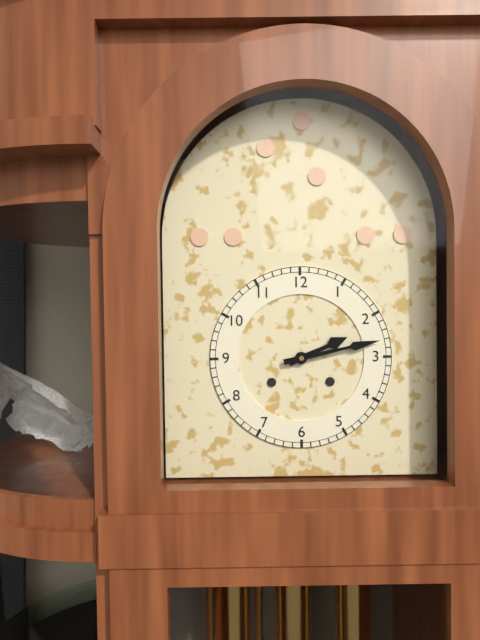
2:13
